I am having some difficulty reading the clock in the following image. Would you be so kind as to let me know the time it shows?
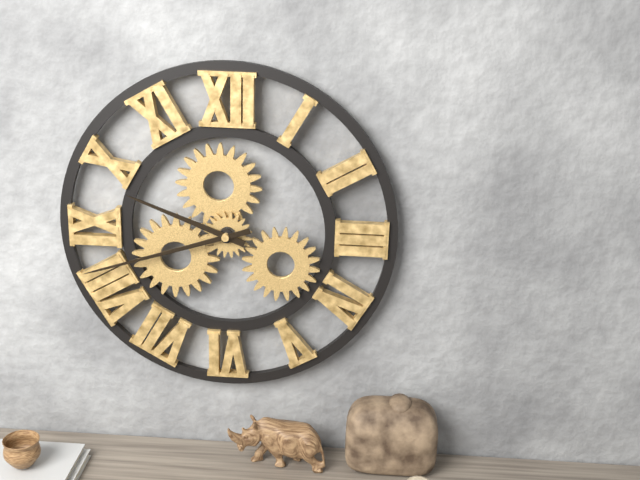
9:42
